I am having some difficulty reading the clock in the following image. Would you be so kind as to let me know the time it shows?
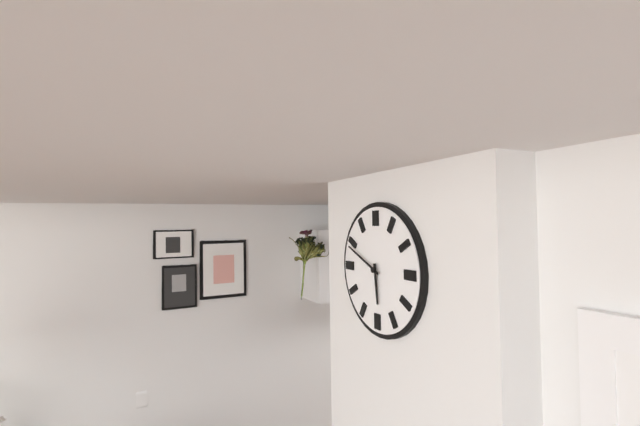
5:49
